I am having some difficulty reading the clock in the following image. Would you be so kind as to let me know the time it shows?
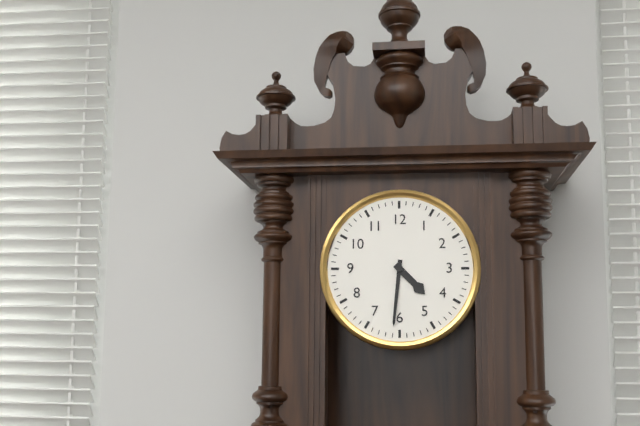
4:31
